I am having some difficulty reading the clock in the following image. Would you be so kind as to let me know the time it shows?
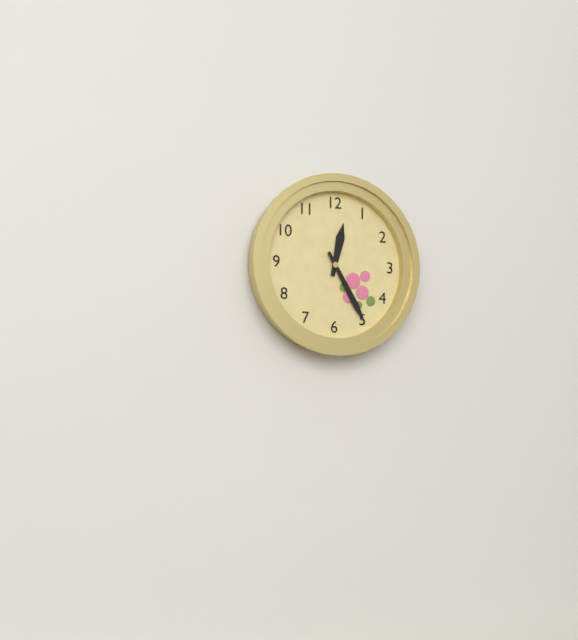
12:25
